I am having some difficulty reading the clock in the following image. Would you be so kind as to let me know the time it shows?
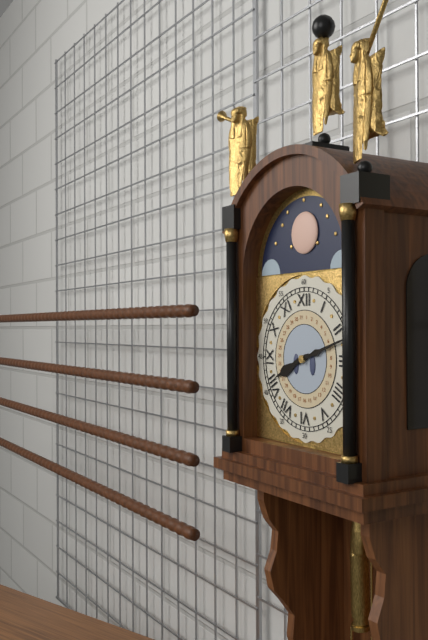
8:12
